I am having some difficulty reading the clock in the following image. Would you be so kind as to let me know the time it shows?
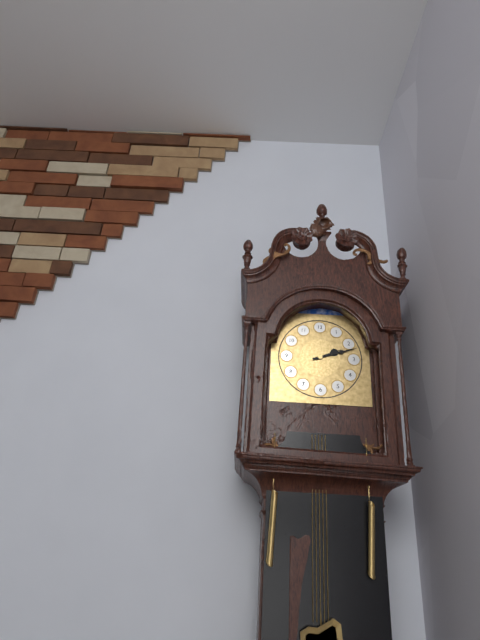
2:12
